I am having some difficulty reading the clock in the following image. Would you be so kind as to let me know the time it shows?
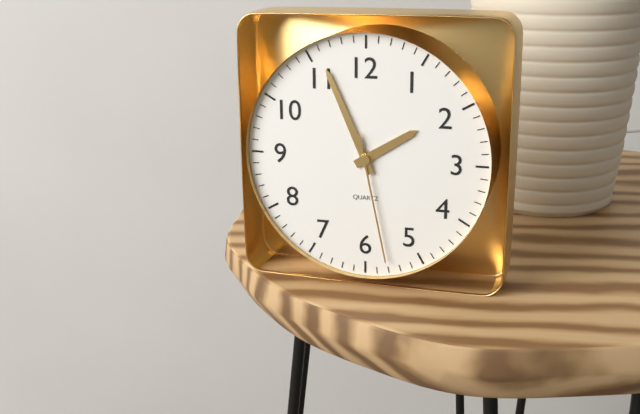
1:56:28
